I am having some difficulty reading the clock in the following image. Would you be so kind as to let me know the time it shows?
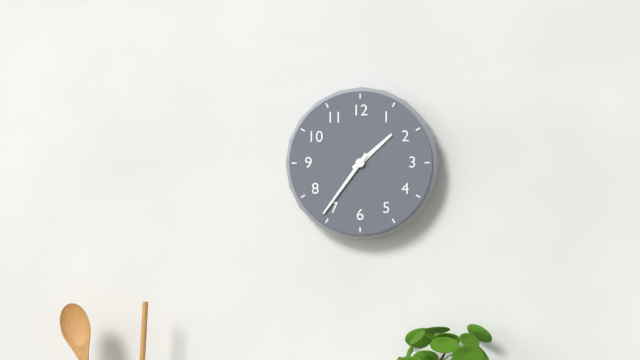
1:36
